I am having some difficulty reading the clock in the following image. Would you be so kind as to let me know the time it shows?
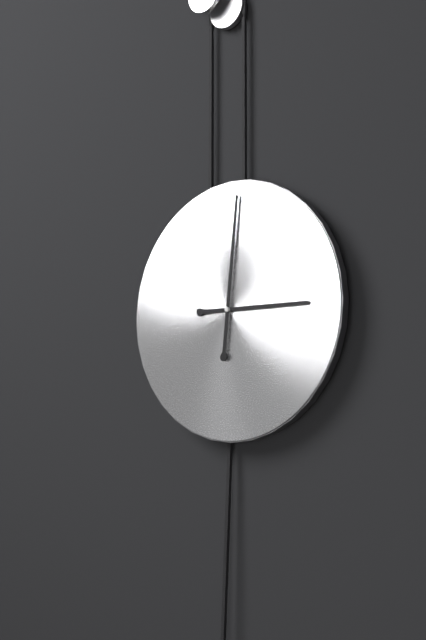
3:01
